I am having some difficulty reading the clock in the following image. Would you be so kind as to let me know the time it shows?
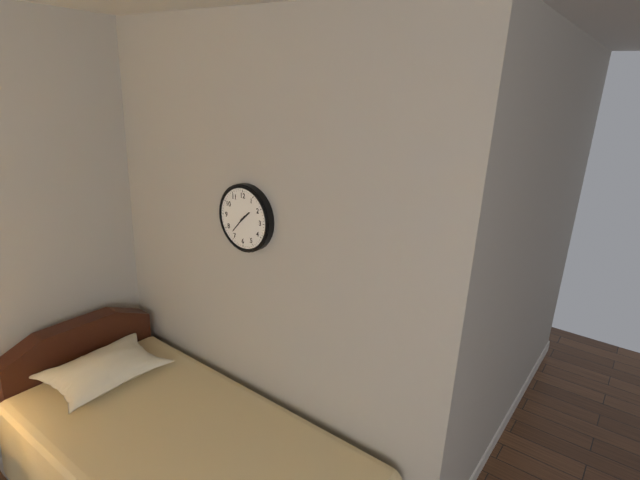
1:37
